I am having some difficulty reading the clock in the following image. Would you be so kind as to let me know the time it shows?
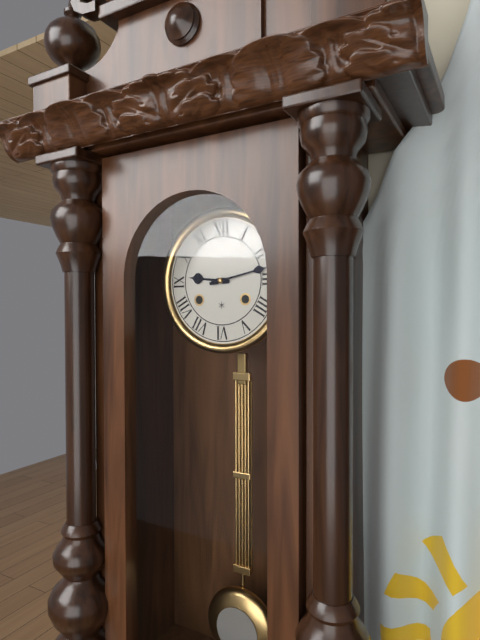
9:13
